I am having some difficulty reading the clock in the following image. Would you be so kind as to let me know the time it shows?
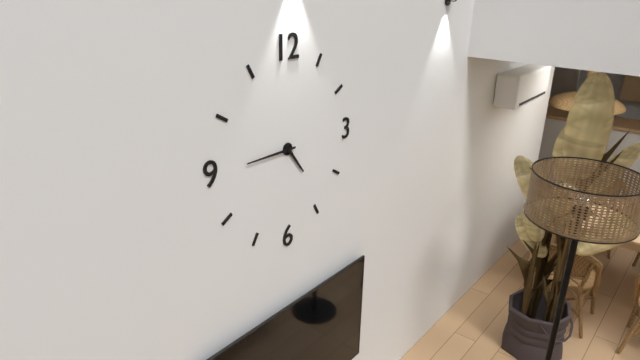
4:45
